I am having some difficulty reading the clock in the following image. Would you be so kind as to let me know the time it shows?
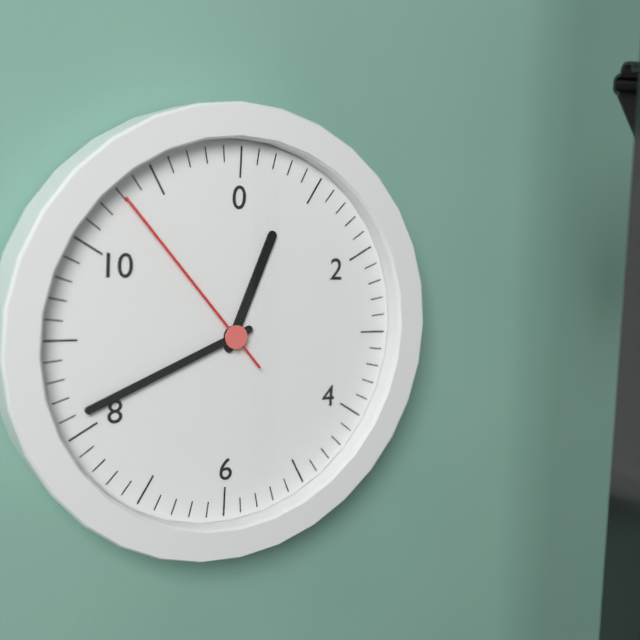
12:41:53
